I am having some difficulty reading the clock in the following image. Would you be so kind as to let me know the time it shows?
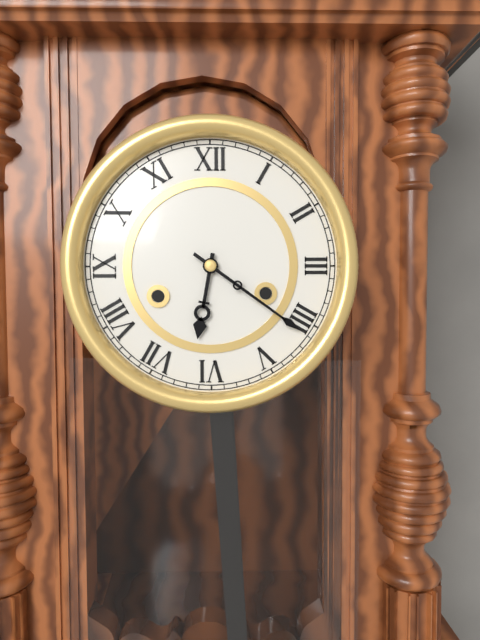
6:21
